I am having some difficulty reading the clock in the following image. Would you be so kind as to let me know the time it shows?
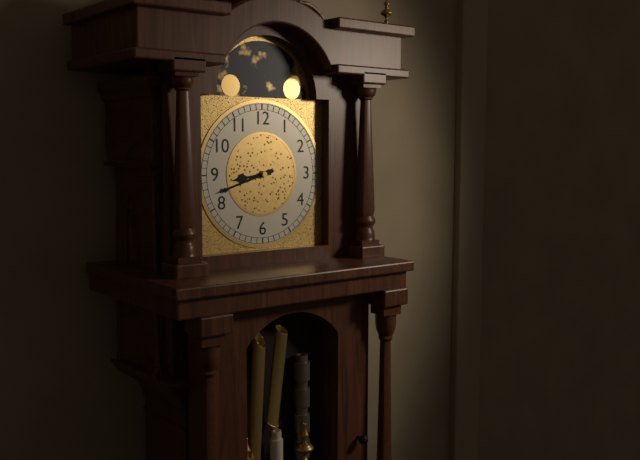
8:42
